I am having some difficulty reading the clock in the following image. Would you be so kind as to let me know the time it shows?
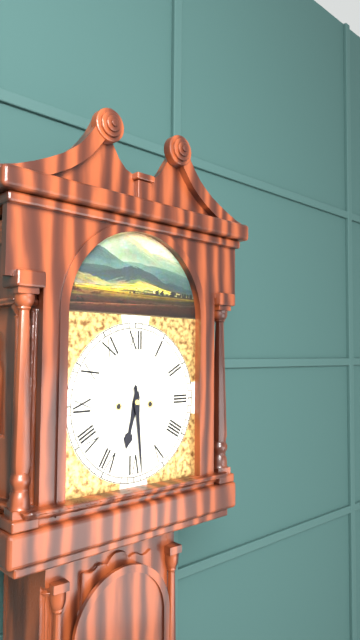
6:29
